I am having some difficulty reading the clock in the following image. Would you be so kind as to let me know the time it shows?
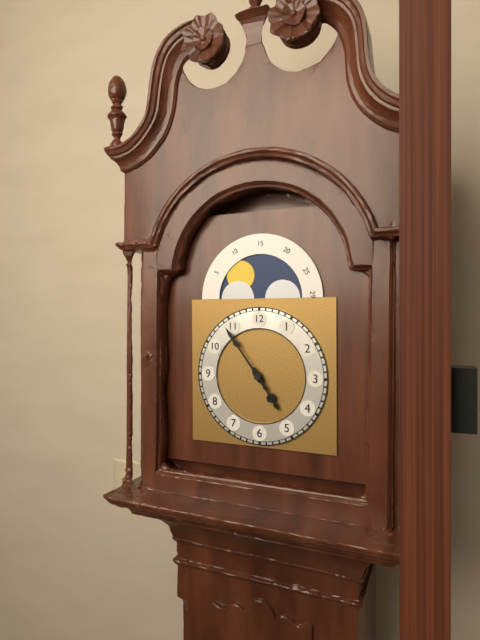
4:54
